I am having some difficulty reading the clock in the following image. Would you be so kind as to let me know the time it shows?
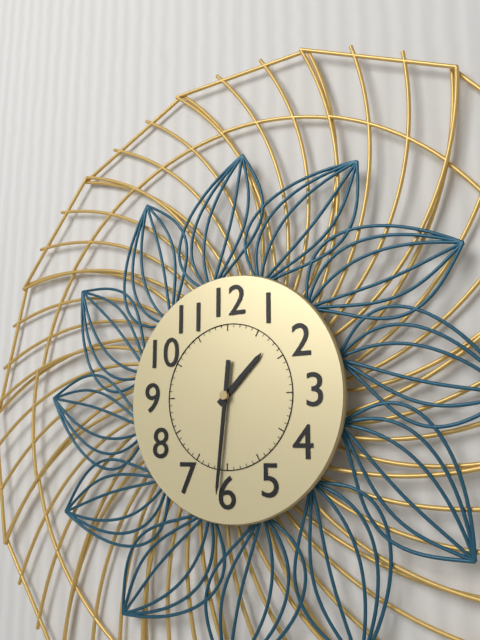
1:31
